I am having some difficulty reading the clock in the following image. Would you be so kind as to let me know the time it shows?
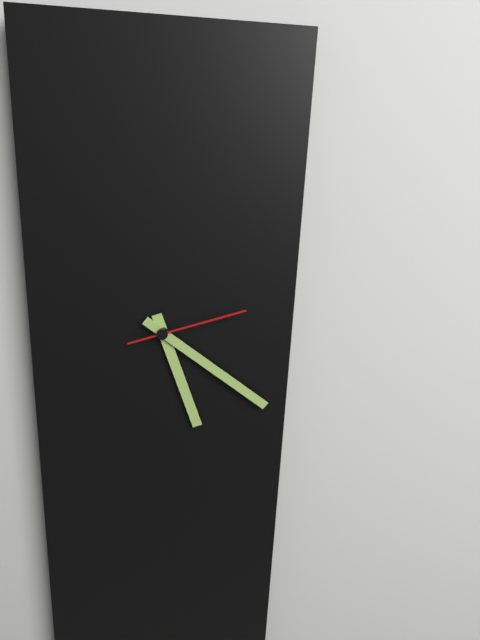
5:21:12
